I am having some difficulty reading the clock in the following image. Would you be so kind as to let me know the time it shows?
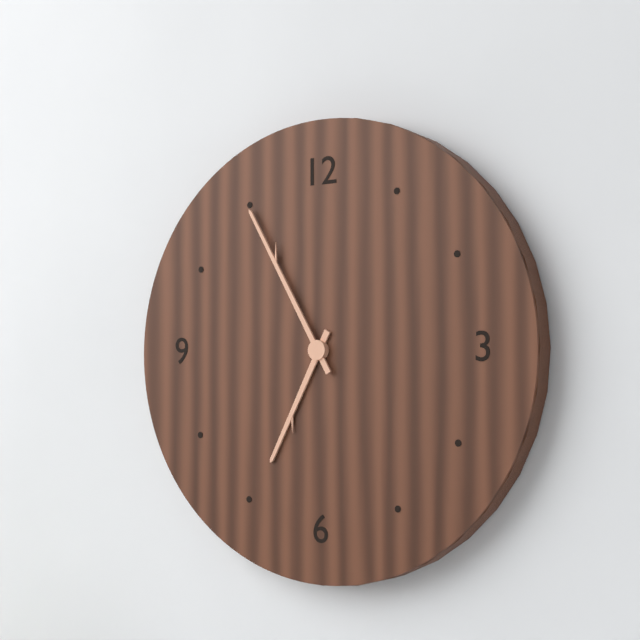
6:55
